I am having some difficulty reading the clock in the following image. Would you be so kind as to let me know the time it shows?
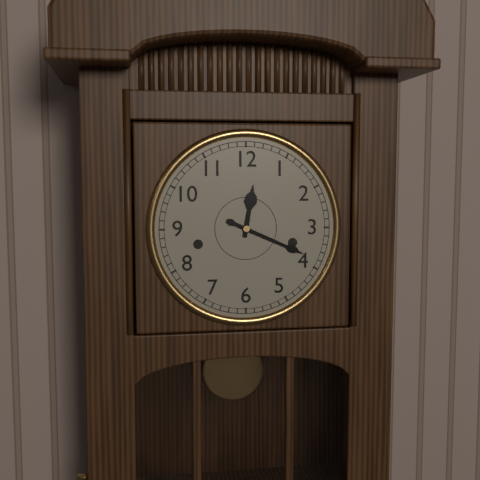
12:19
